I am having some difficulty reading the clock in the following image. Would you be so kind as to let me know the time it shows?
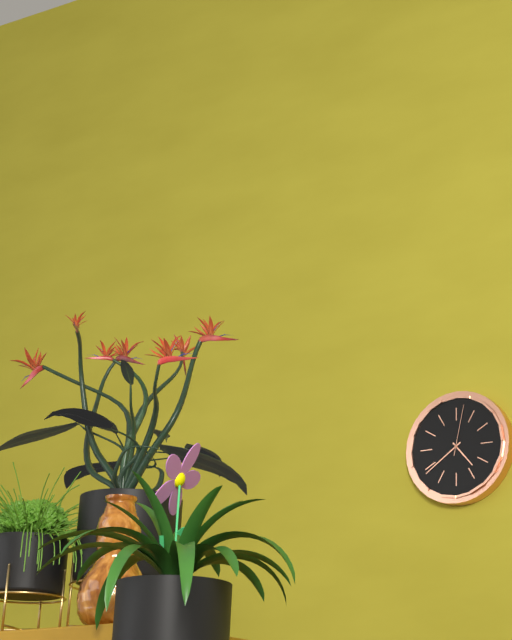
4:39:02
